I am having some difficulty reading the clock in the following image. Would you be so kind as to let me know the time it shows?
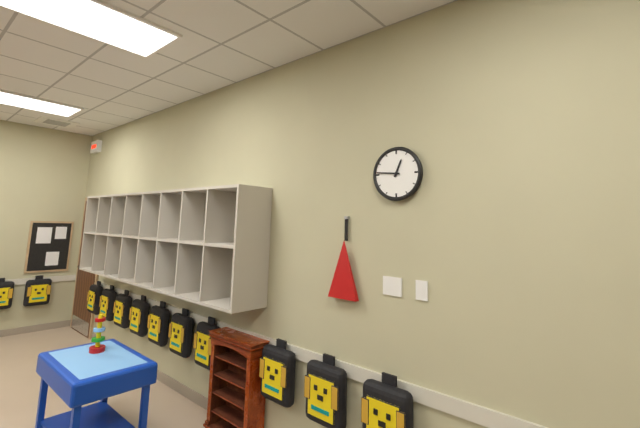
12:46
